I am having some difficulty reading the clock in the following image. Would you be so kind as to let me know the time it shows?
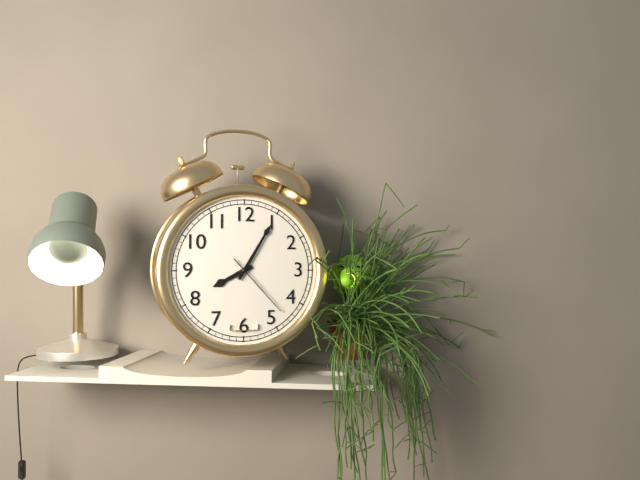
8:05:23
